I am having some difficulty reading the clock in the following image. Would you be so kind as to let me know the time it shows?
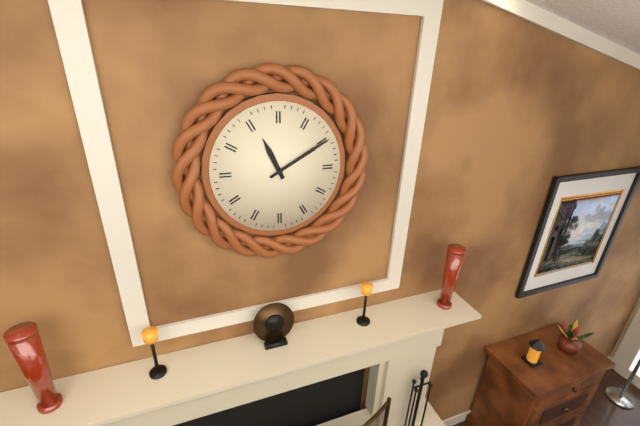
11:10
